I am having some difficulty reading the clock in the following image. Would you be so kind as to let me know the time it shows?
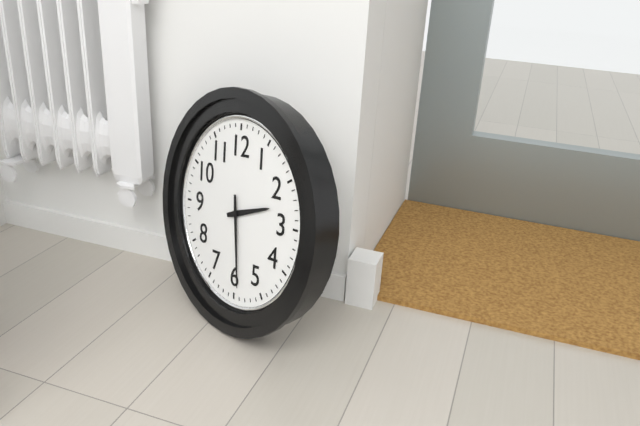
2:29
